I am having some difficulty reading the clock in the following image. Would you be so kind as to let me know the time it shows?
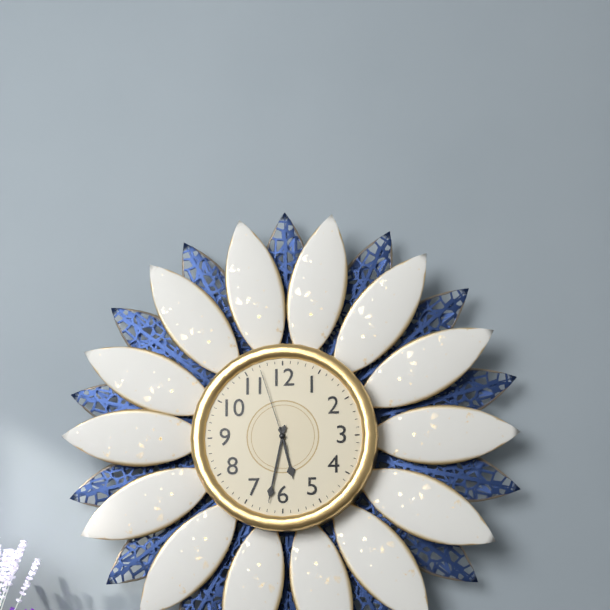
5:32:57
